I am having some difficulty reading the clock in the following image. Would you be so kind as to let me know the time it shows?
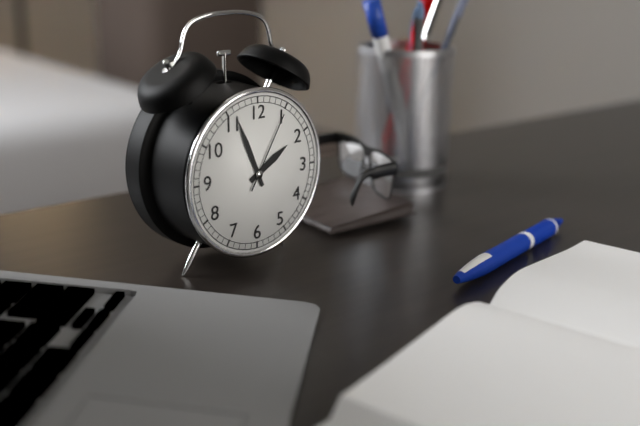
1:56:05
